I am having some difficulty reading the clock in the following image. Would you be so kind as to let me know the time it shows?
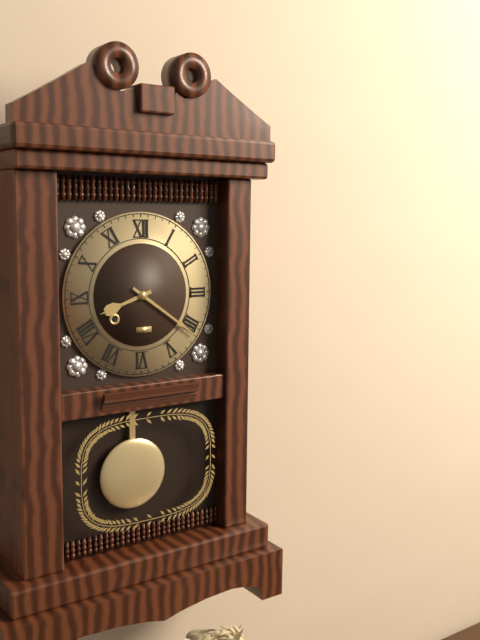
8:21
